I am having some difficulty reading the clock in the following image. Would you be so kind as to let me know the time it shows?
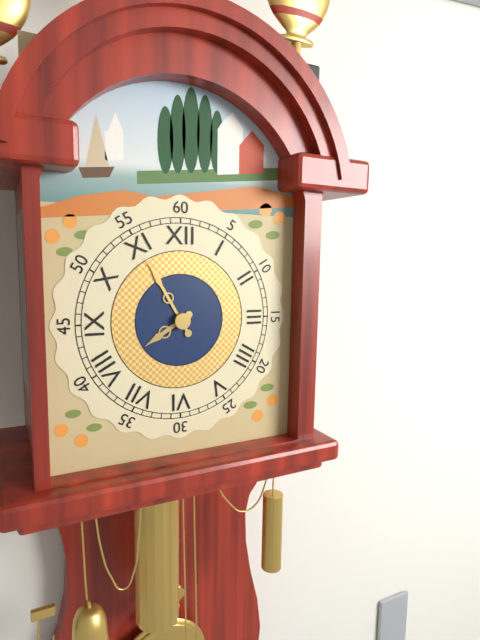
7:55
